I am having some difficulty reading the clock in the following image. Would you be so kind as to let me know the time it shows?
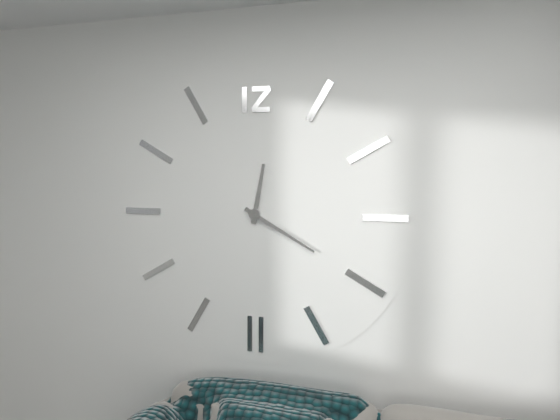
12:20
